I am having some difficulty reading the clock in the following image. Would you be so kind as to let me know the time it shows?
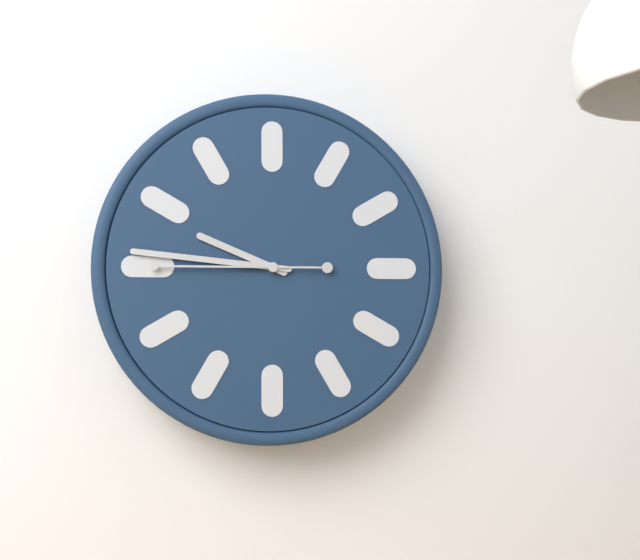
9:46:45
